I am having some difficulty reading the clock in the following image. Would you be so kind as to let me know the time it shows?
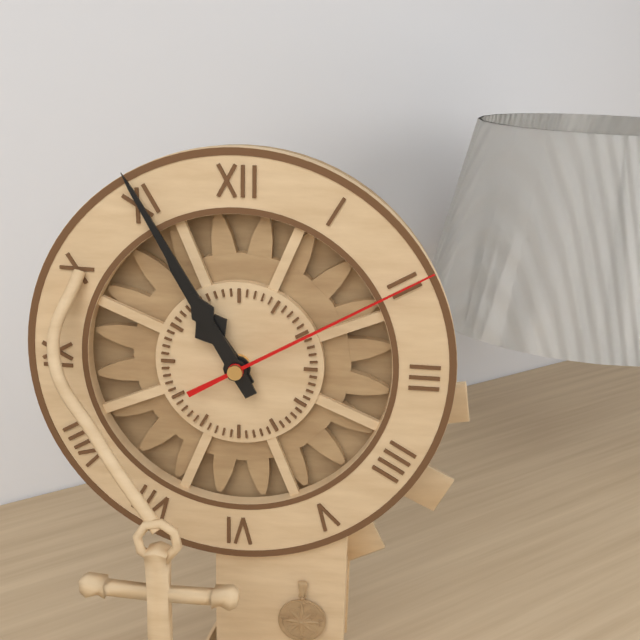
10:55:10
